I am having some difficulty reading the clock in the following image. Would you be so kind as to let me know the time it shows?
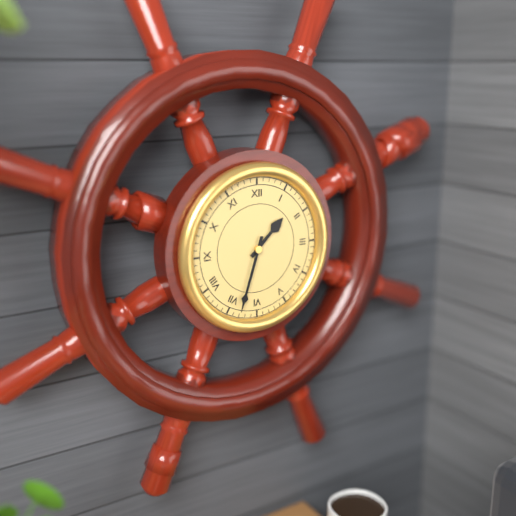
1:33
